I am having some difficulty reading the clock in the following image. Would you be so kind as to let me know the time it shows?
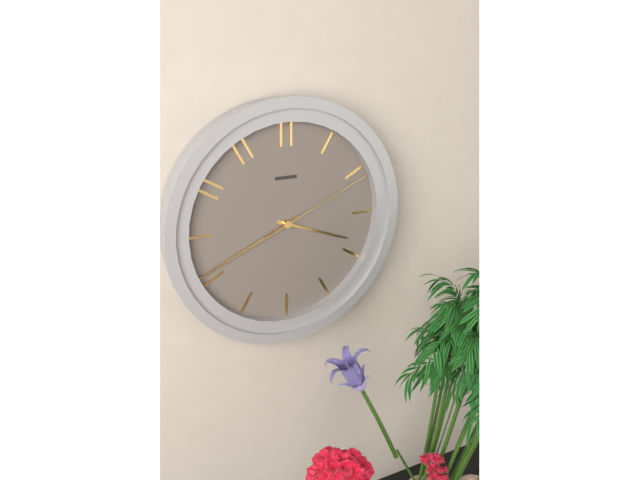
3:41:11
